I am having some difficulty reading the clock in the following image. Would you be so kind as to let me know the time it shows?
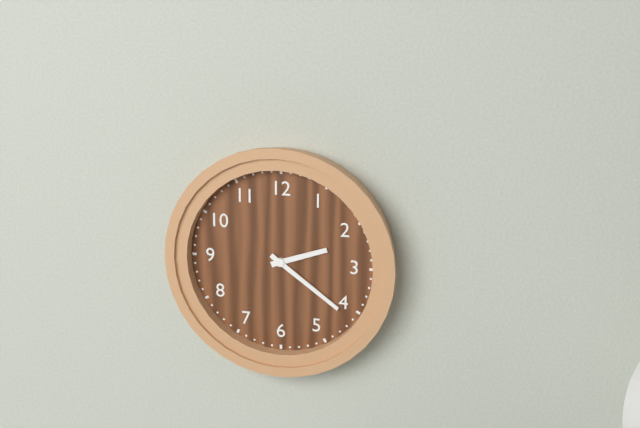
2:21
